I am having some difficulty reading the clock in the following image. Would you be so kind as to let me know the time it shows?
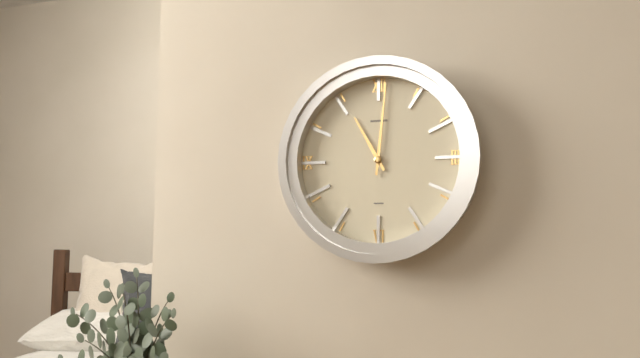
11:01
